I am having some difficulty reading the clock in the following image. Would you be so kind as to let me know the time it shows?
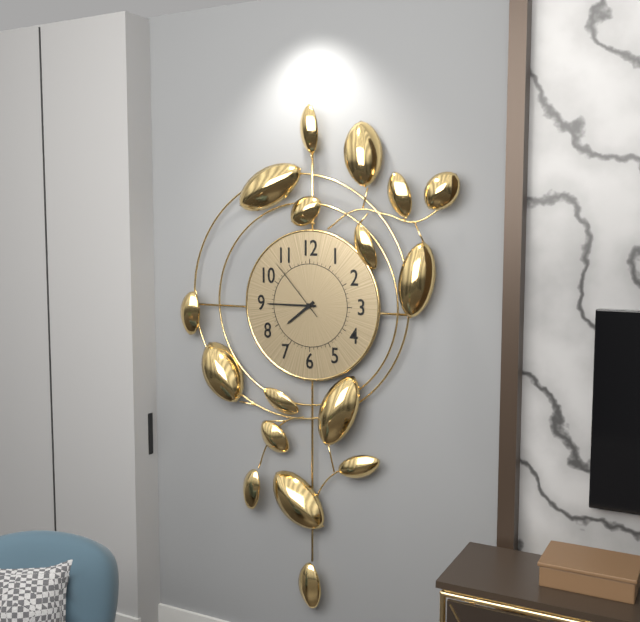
7:45:53
